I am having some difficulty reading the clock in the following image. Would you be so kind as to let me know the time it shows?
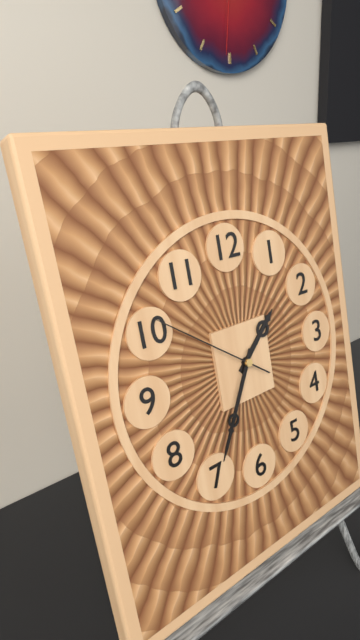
1:35:51
